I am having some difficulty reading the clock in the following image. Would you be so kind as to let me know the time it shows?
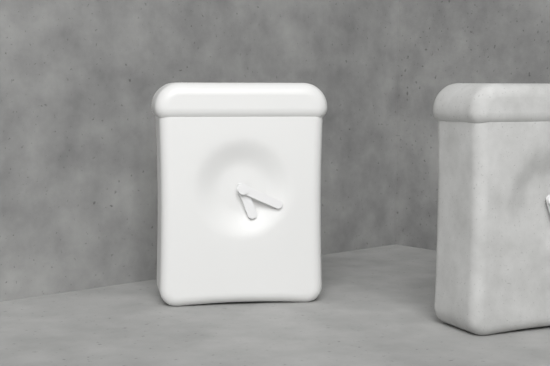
5:19
